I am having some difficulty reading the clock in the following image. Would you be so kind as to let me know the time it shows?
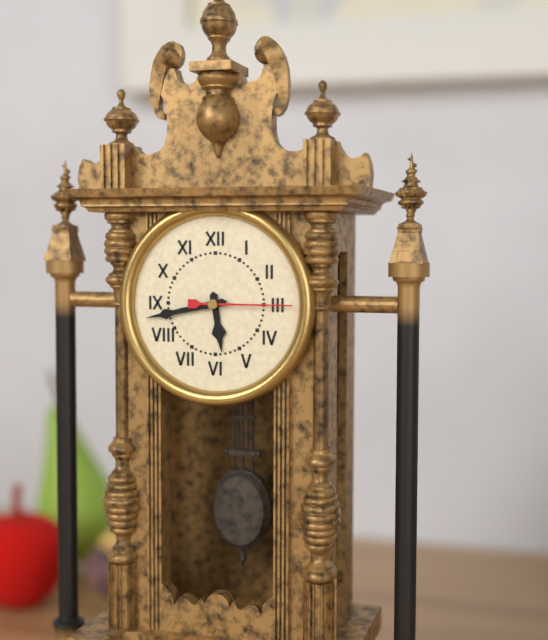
5:43:15
